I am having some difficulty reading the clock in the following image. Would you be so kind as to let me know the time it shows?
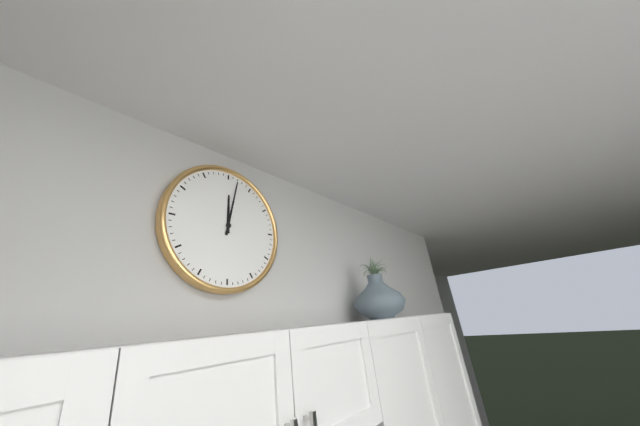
12:02
